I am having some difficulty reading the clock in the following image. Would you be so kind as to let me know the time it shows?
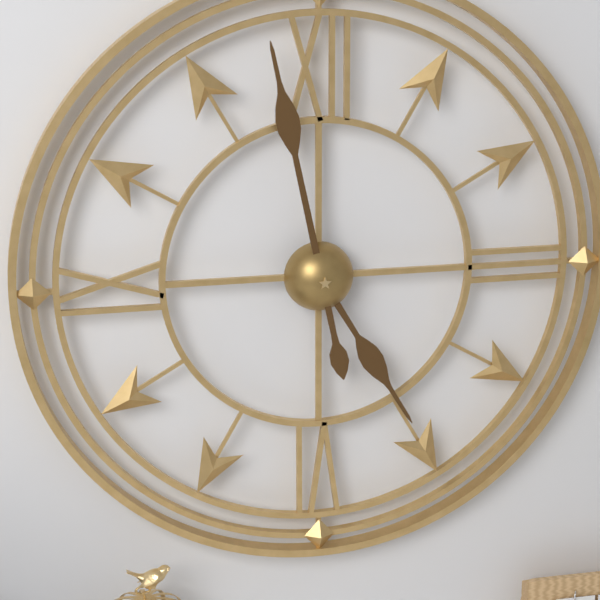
4:58
